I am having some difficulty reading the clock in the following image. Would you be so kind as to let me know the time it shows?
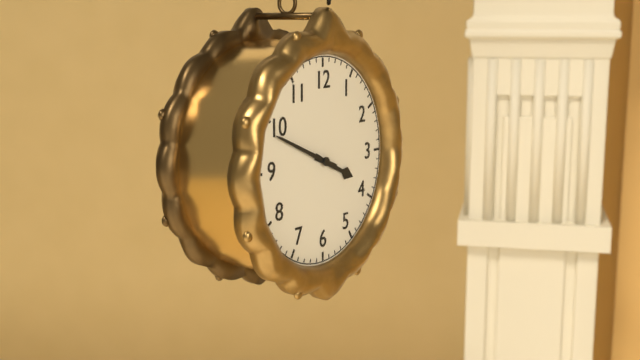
3:49
